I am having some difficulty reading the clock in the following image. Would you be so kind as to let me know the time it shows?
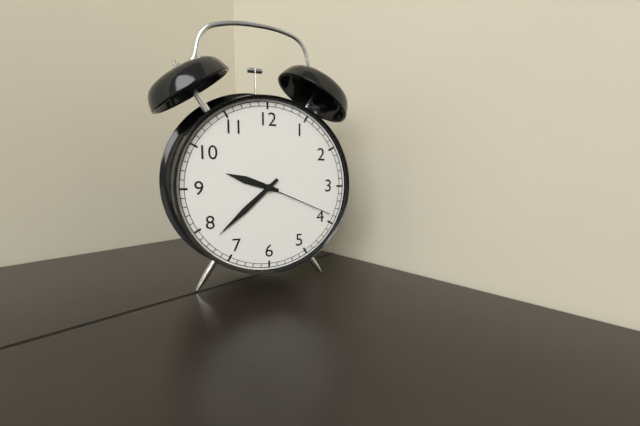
9:38:19
